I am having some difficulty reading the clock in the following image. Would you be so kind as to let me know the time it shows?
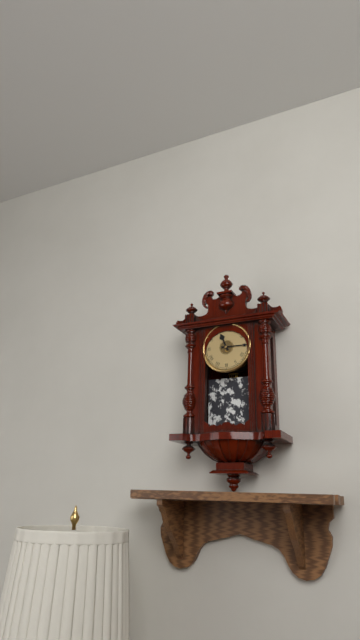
11:15
